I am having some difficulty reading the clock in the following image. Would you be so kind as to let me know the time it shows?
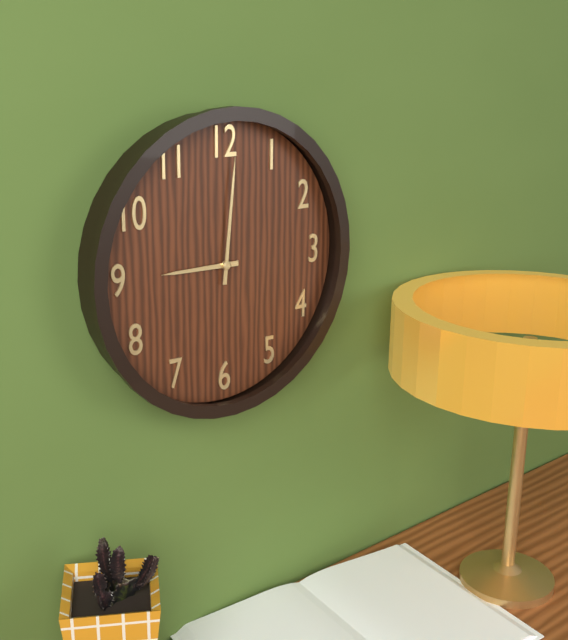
9:01
